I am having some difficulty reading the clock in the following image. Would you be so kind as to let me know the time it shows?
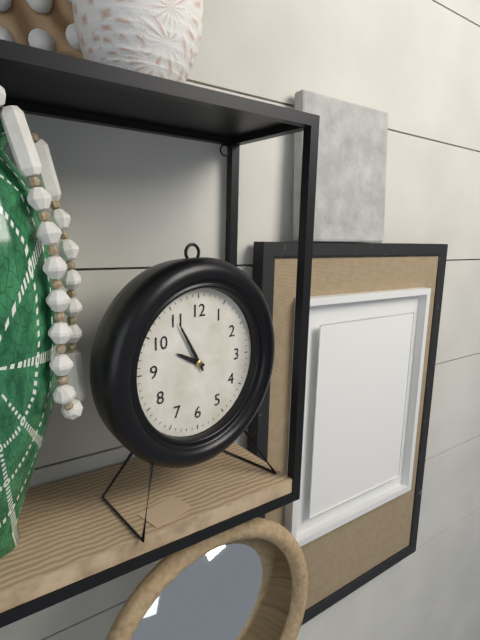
9:55
